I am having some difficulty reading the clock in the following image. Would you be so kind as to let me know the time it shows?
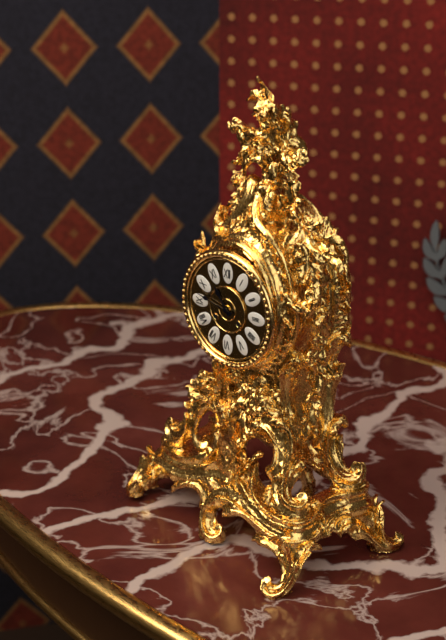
10:47
